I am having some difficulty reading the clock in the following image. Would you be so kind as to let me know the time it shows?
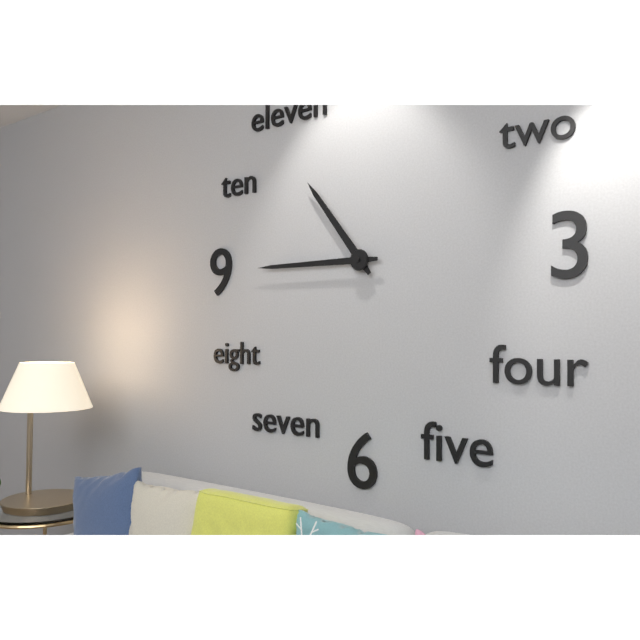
10:45
